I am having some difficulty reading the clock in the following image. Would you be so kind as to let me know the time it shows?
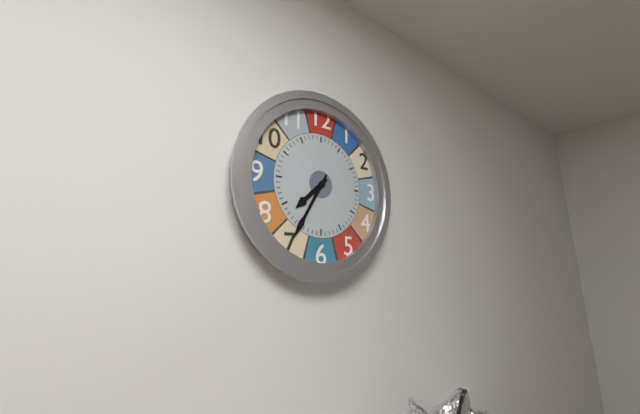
7:35
